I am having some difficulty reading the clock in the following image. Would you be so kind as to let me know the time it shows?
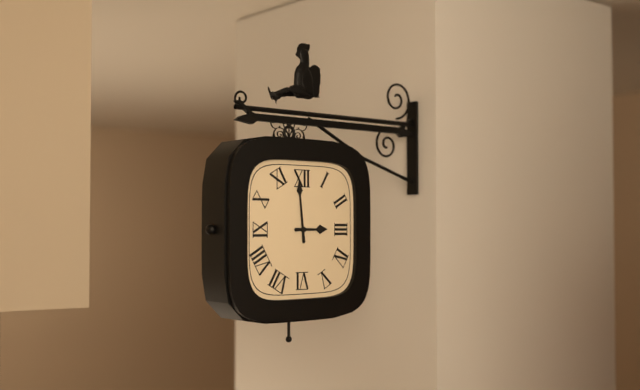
2:59
